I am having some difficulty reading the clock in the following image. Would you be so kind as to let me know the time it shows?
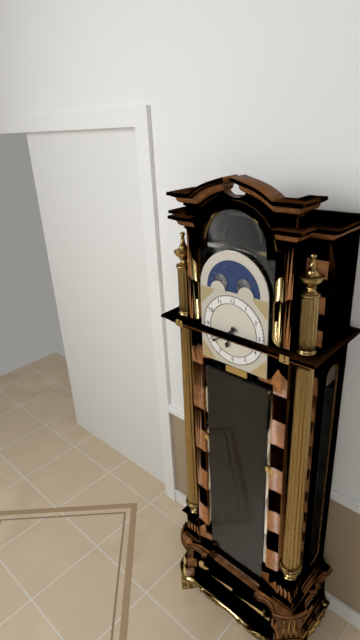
6:39
